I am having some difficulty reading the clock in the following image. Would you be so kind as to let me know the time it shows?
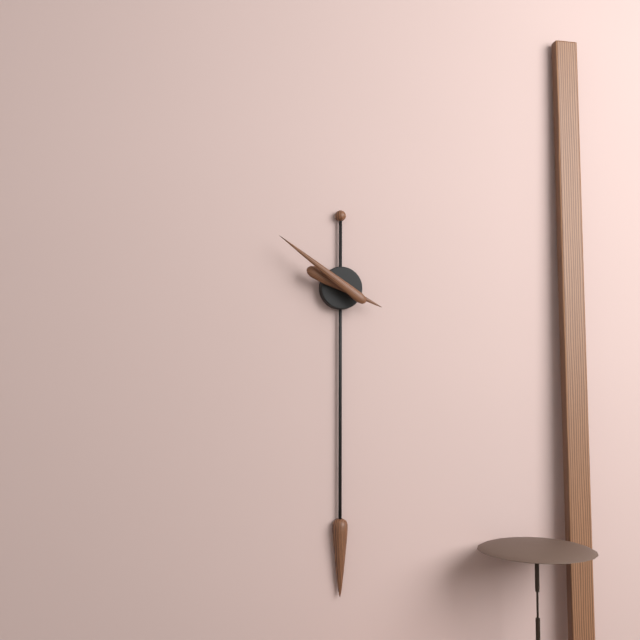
3:51
